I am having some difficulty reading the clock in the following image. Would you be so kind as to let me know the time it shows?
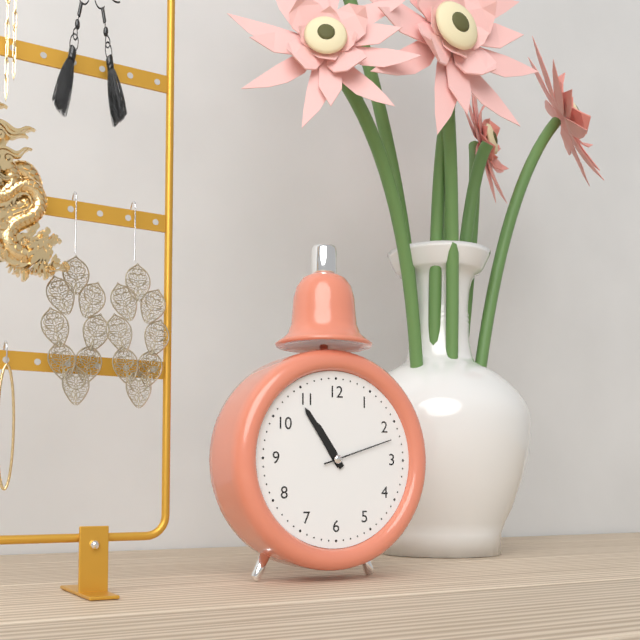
10:54:12
